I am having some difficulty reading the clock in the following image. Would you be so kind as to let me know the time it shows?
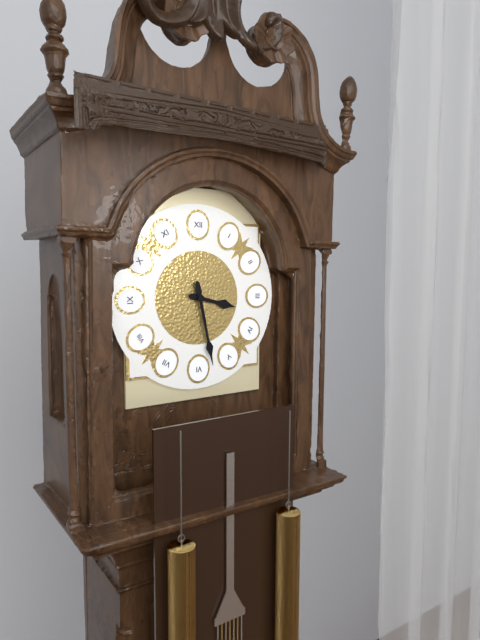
3:28
